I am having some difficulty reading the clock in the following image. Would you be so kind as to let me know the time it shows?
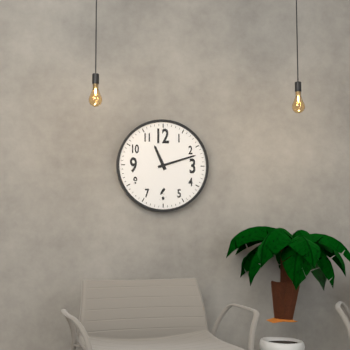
11:12
